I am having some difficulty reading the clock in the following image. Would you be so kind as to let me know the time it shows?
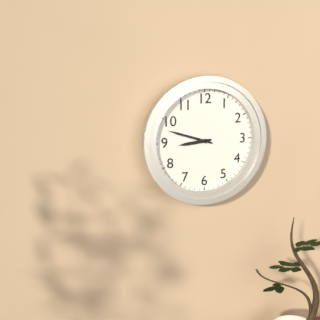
8:48
